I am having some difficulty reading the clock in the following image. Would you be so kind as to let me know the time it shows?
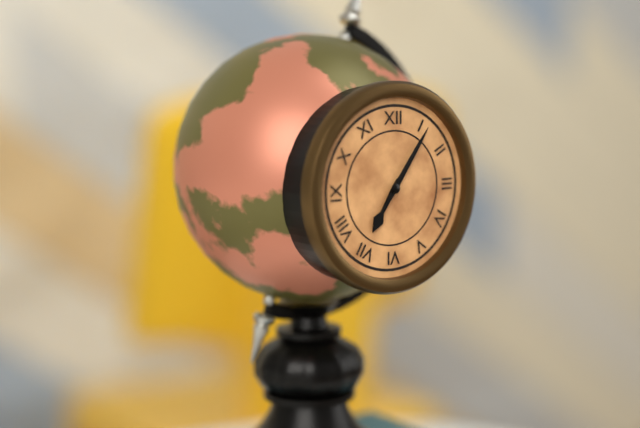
7:06
